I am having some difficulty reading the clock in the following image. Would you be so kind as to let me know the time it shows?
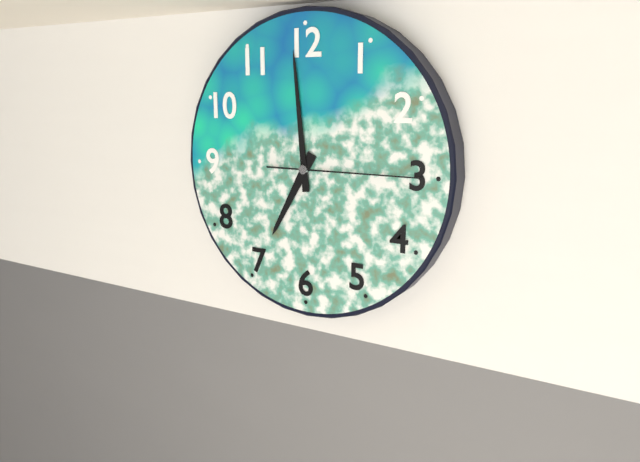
6:59:15
